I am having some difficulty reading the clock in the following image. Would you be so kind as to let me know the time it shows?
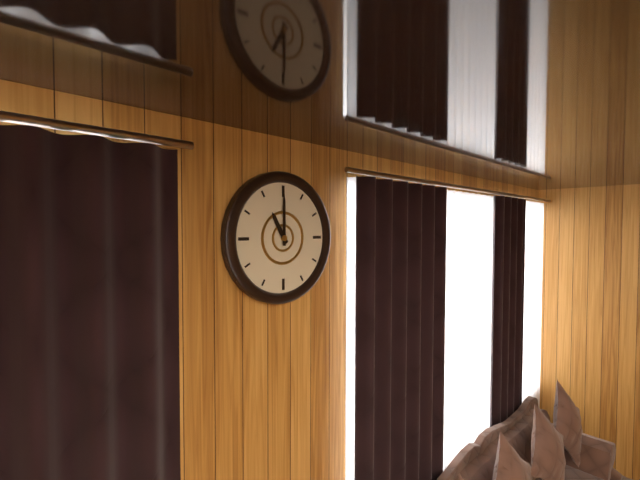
11:00
